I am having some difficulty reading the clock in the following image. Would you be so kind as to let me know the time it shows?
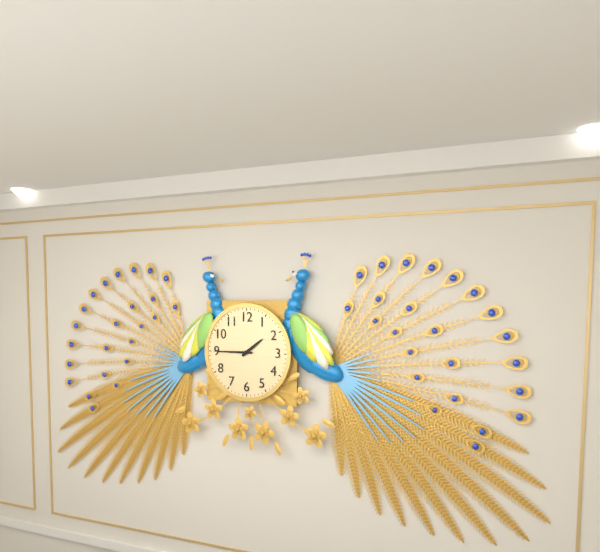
1:45
